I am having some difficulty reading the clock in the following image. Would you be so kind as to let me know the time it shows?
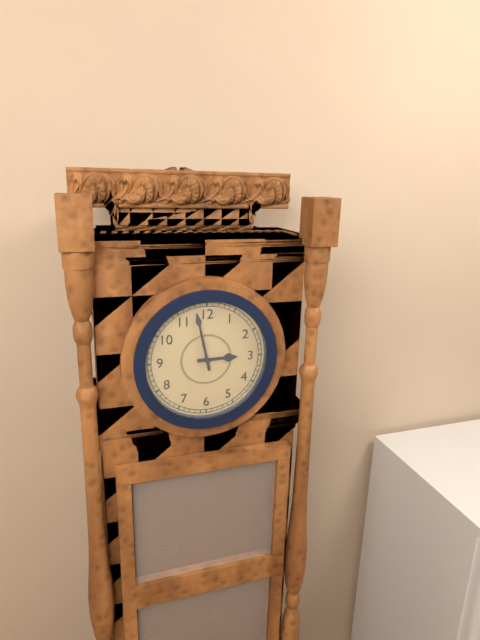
2:58
